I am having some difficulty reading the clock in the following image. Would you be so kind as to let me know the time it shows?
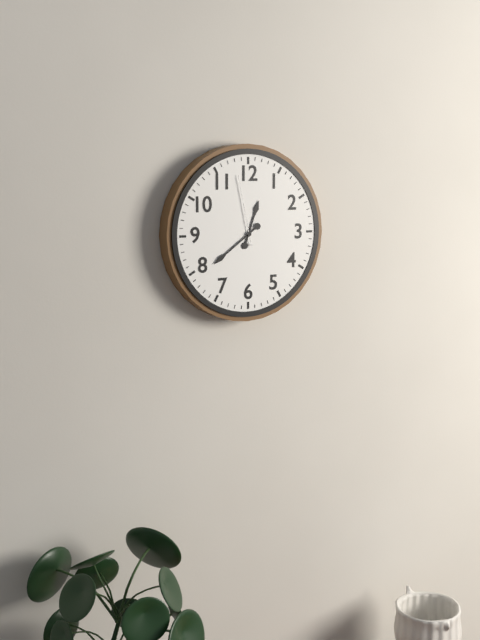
12:39:58
